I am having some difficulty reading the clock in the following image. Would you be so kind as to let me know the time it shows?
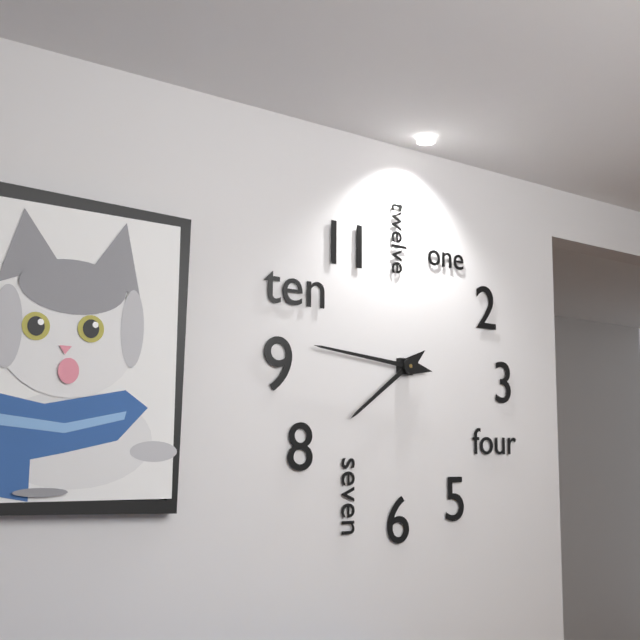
7:46
